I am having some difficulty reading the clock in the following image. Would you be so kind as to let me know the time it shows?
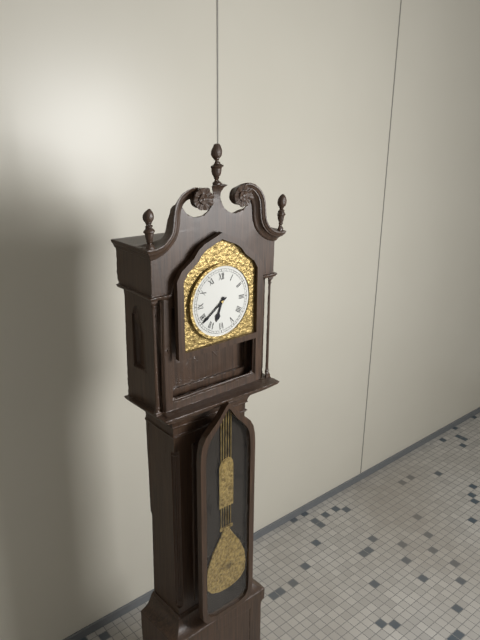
6:39
